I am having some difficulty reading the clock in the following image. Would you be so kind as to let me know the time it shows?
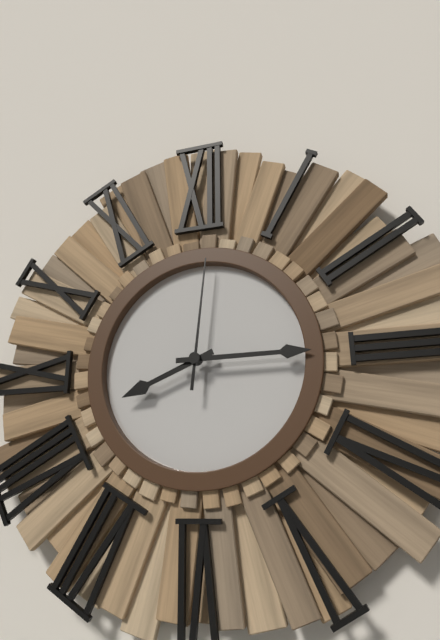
8:15:01
